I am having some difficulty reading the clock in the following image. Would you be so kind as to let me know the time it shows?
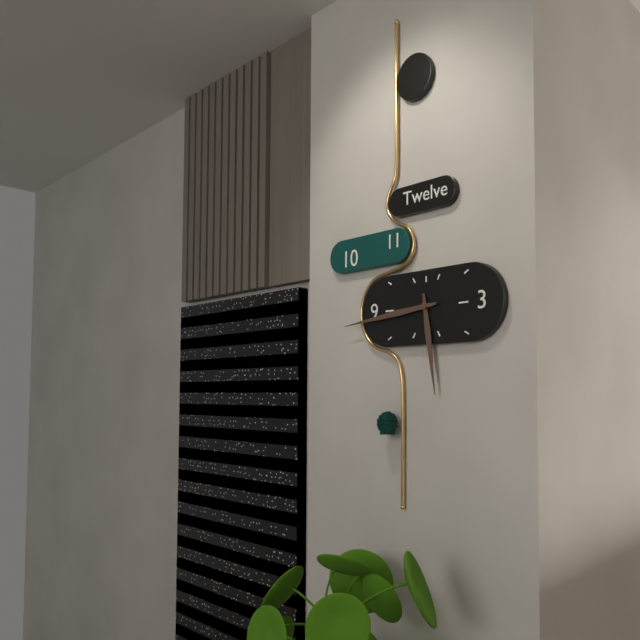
5:44
